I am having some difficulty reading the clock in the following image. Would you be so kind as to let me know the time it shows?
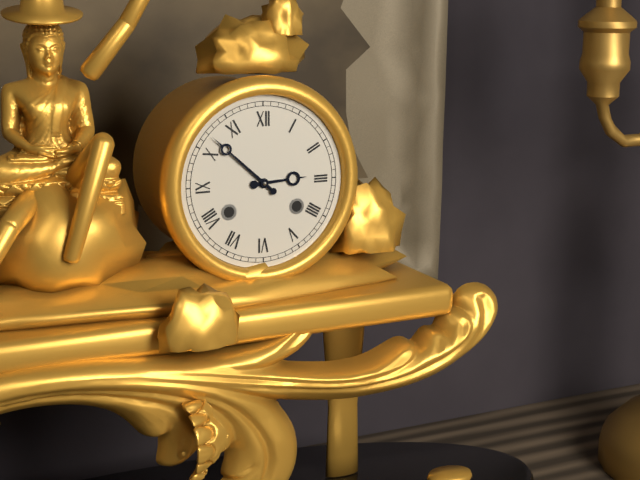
2:52
